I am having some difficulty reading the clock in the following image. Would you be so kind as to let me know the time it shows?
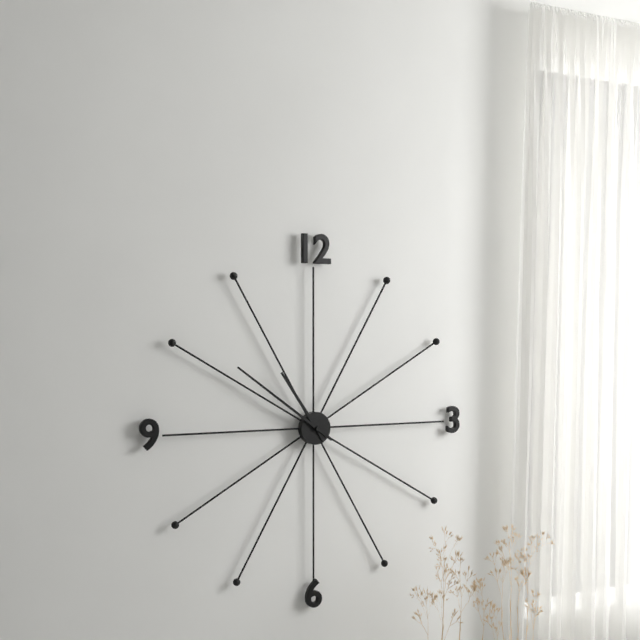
10:51
